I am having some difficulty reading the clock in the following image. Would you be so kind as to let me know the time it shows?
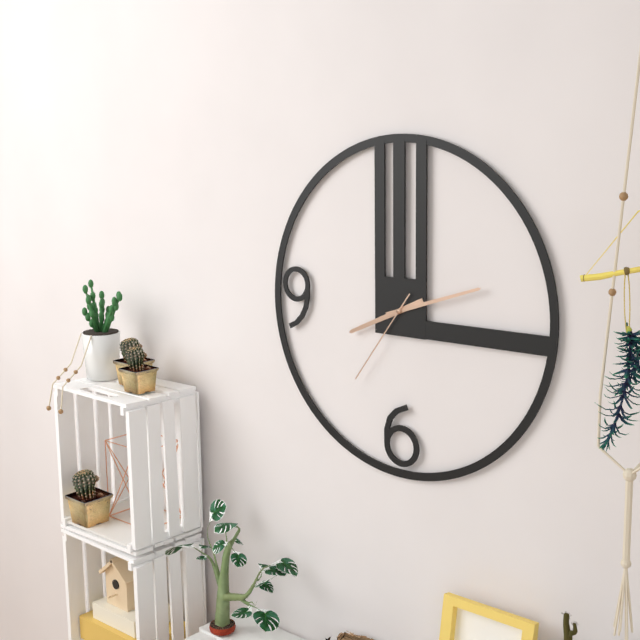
8:12:36
